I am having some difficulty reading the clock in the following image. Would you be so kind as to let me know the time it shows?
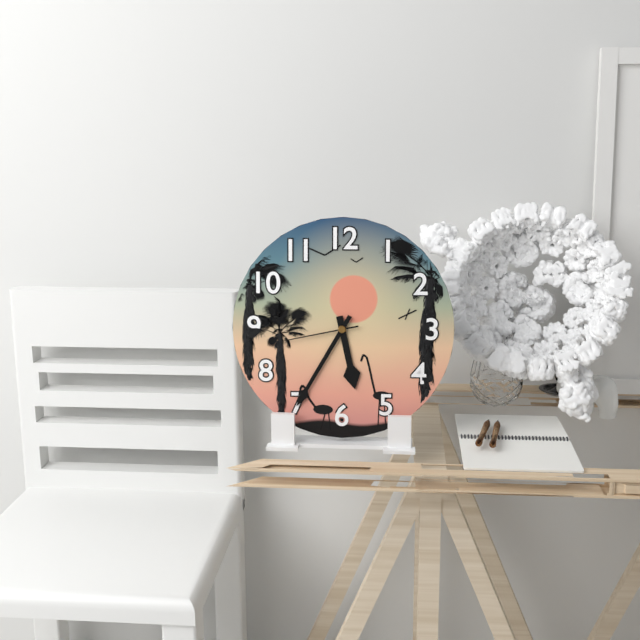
5:35:43
